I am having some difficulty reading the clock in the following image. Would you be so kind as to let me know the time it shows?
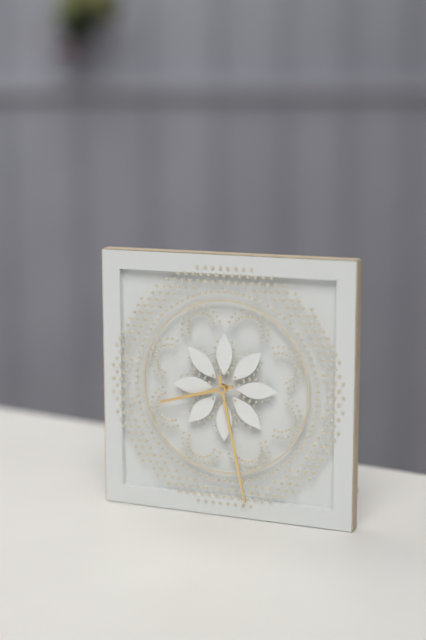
8:28
